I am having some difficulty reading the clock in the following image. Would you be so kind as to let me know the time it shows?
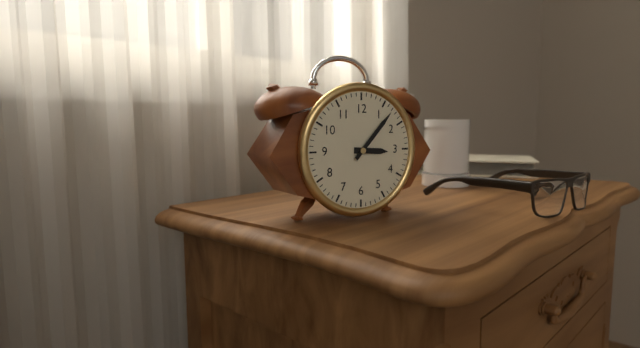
3:07
